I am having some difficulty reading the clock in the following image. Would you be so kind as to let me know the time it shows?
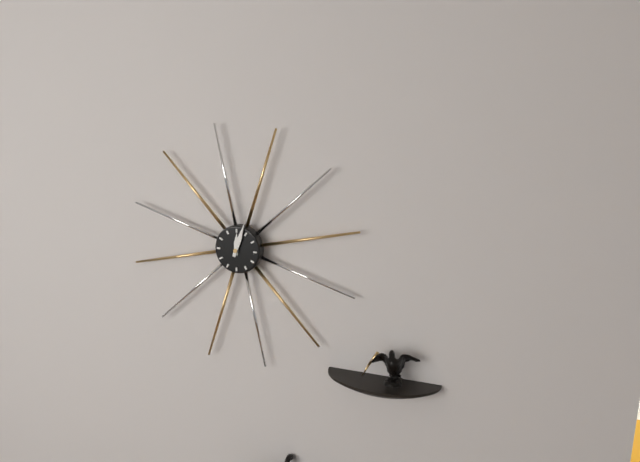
12:03
